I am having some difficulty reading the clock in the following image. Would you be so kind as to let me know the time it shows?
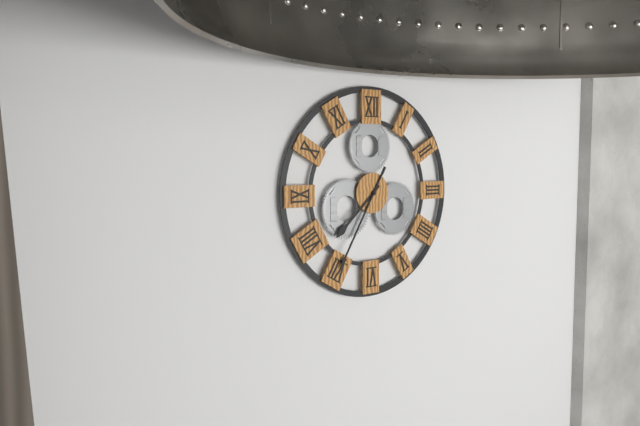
7:35
